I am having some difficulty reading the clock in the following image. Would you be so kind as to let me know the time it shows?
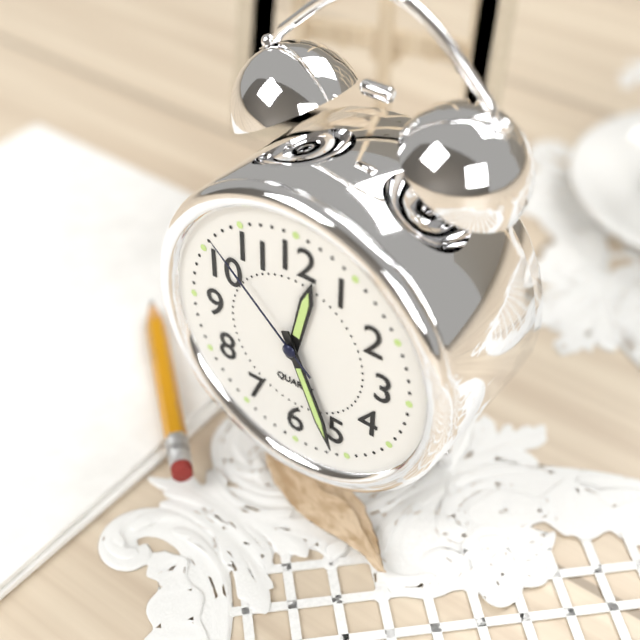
12:26:52
